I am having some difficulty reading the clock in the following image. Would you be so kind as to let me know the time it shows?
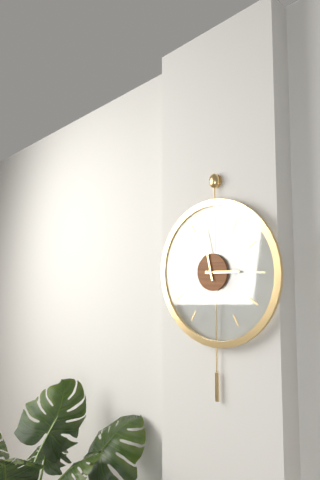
2:58
